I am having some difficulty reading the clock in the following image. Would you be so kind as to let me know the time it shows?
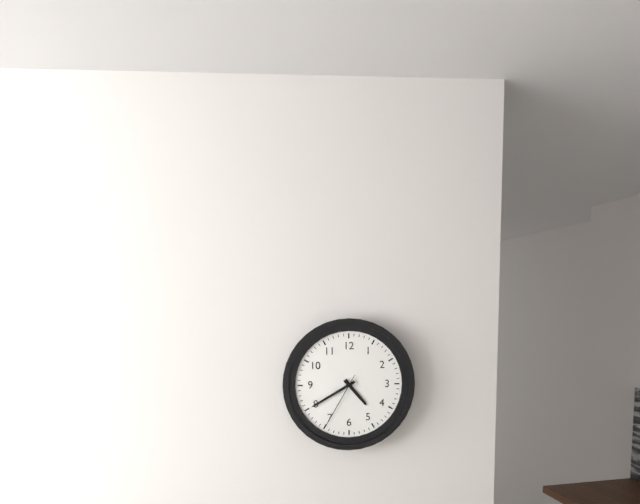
4:40:35
